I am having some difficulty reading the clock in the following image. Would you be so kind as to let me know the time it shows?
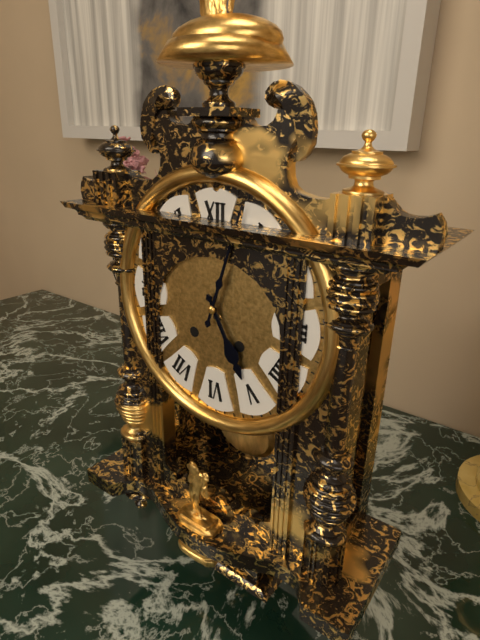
5:03
